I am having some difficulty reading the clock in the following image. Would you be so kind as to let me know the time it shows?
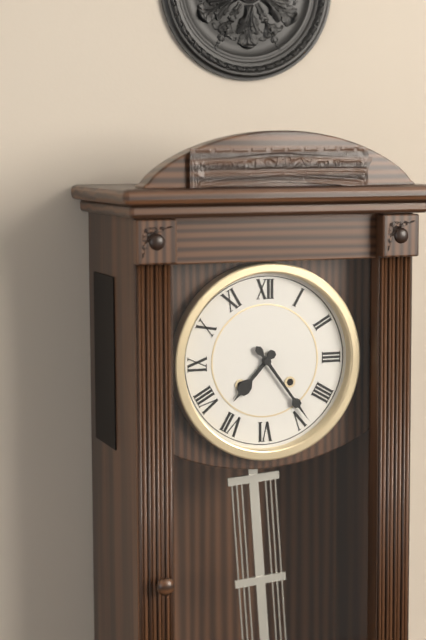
7:24
